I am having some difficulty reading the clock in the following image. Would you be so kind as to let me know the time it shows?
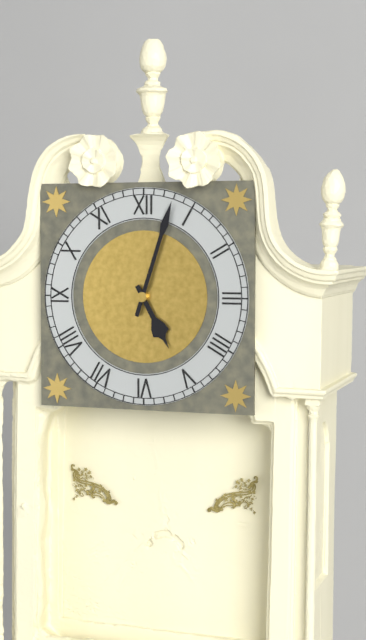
5:03
